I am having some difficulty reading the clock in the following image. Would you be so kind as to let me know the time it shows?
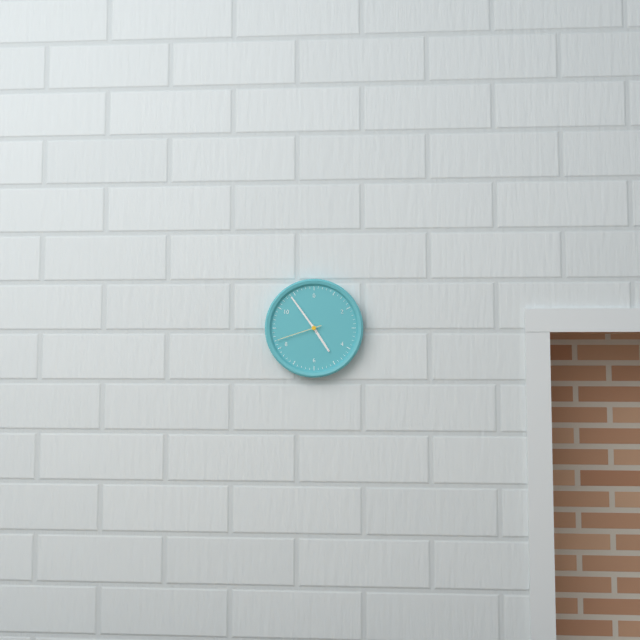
4:54
